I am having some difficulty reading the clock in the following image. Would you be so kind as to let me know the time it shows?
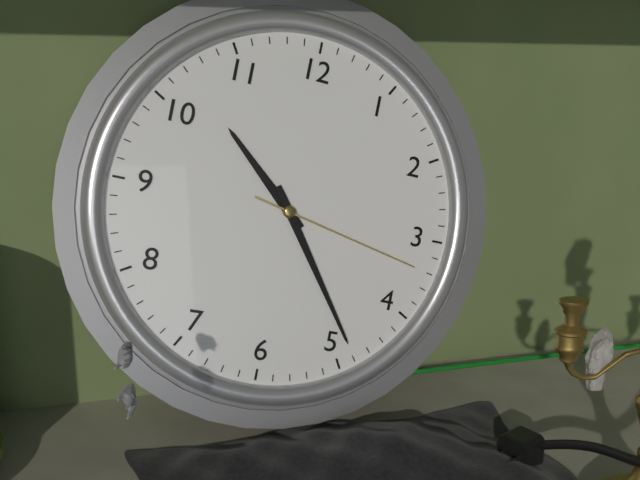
10:24:17
